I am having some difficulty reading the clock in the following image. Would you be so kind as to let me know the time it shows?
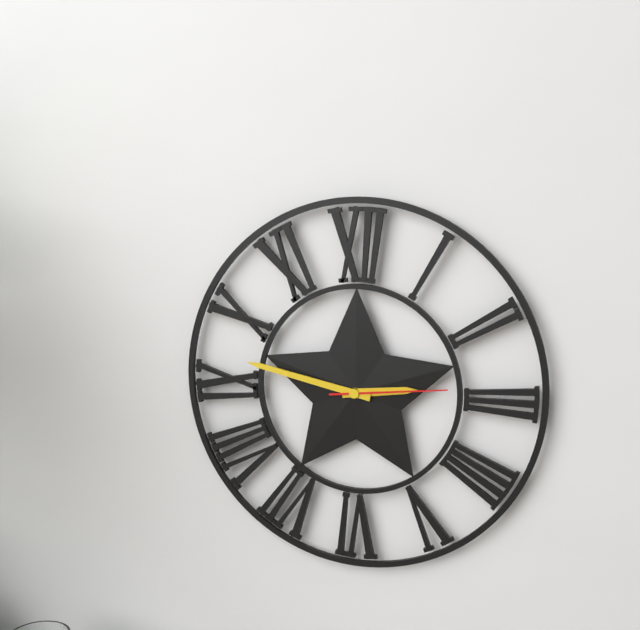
2:47:14
